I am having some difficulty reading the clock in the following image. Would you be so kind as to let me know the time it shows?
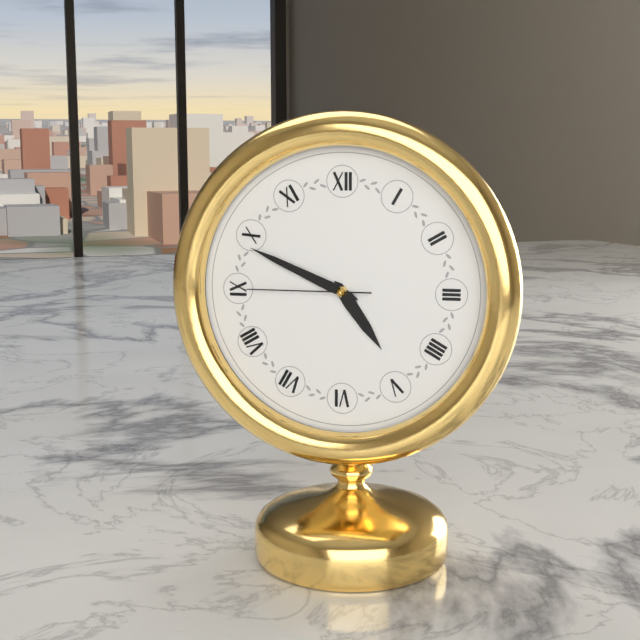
4:49:45
